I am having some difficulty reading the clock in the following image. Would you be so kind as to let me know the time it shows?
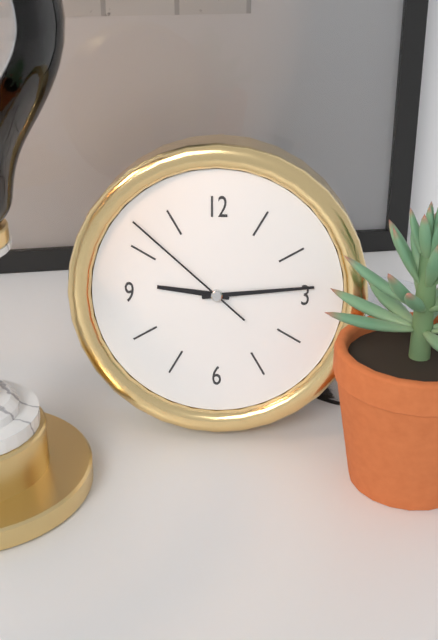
9:14:52
